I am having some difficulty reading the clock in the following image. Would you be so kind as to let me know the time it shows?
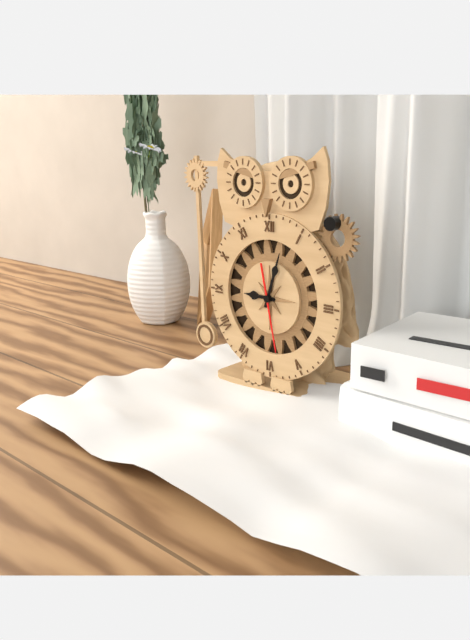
9:03:28
